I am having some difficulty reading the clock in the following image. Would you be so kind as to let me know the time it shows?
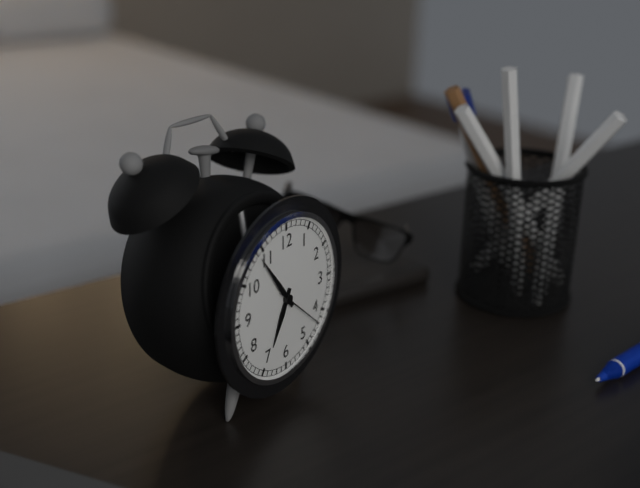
6:54:22
